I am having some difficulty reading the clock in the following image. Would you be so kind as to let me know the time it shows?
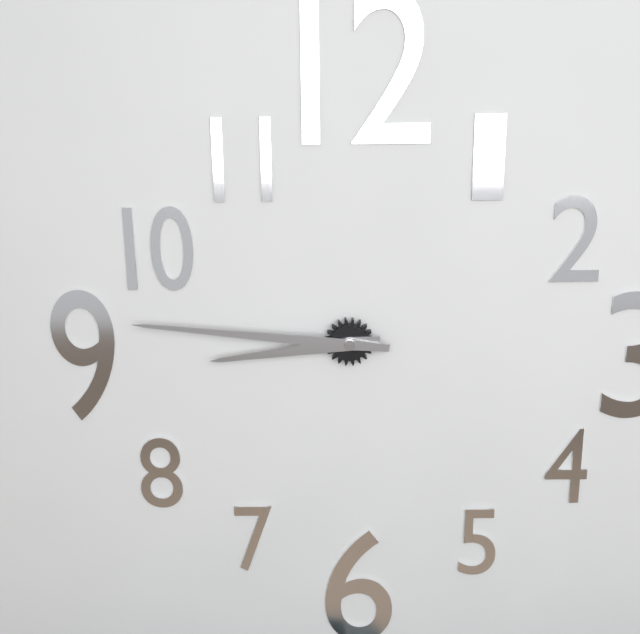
8:46
